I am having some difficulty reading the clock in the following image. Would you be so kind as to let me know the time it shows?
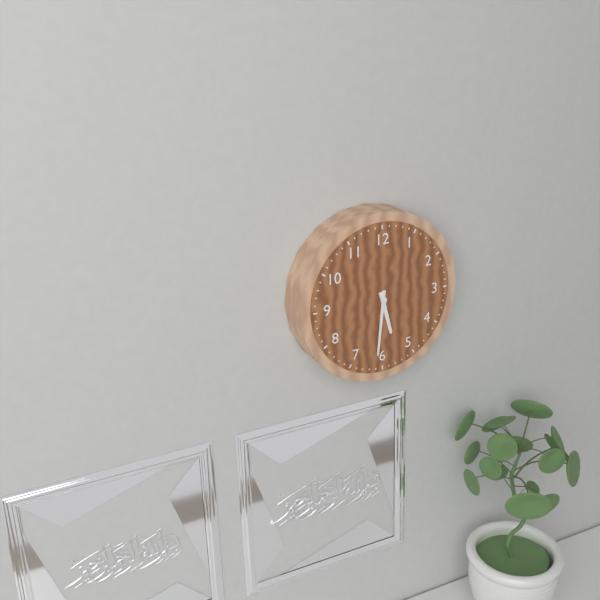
5:31
